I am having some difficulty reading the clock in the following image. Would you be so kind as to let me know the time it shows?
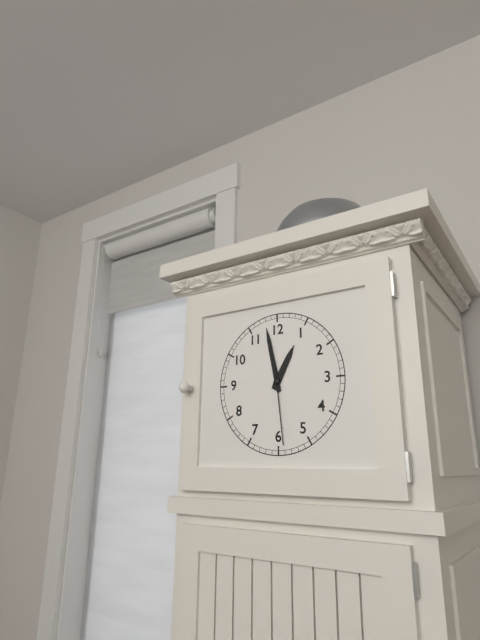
12:58:29
